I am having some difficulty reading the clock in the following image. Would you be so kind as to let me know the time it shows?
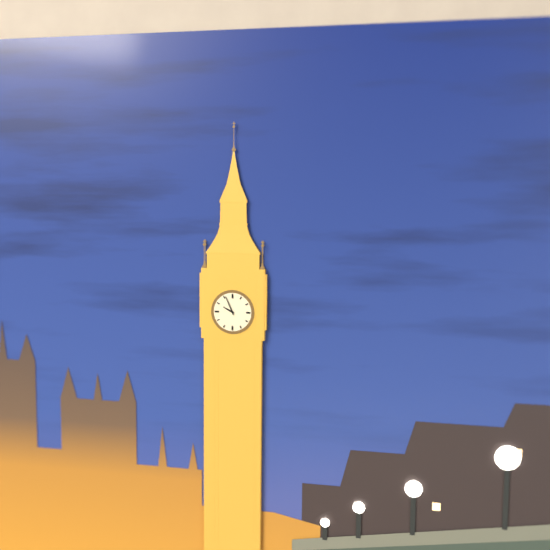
9:56
